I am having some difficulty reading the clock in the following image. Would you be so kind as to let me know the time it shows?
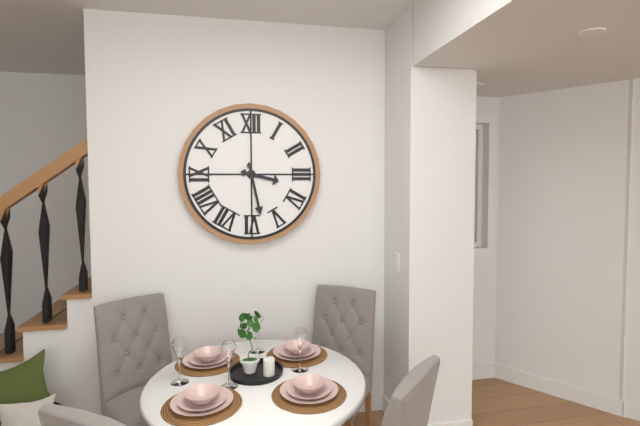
3:28
